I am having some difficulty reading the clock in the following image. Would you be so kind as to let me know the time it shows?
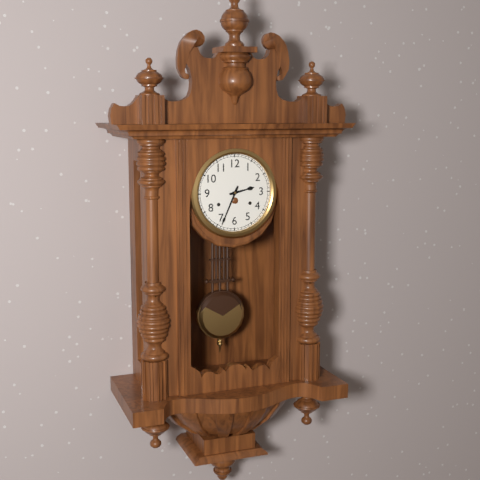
2:34
